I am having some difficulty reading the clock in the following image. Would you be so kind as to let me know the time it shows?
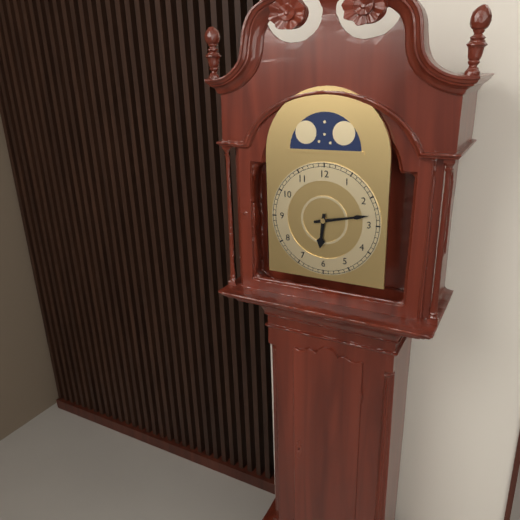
6:13
